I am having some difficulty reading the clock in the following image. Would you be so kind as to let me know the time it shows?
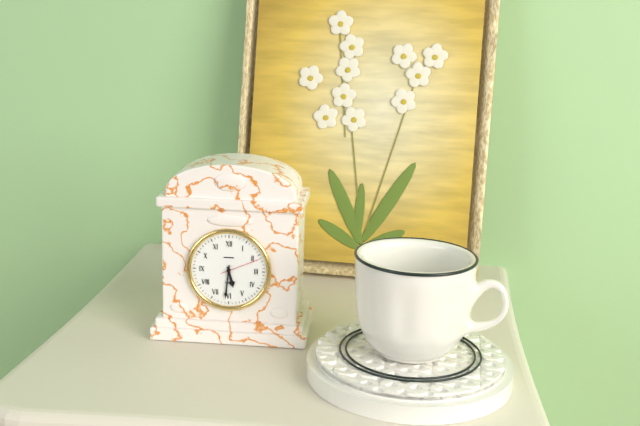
5:31
